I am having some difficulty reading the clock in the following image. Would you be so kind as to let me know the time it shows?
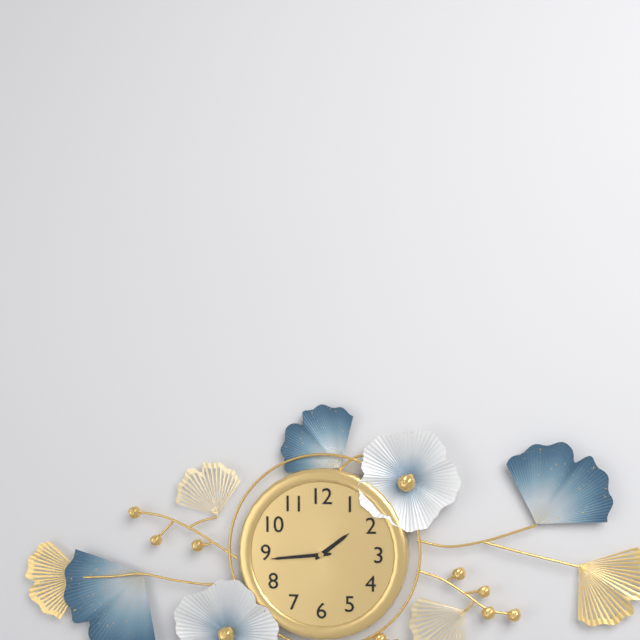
1:44
